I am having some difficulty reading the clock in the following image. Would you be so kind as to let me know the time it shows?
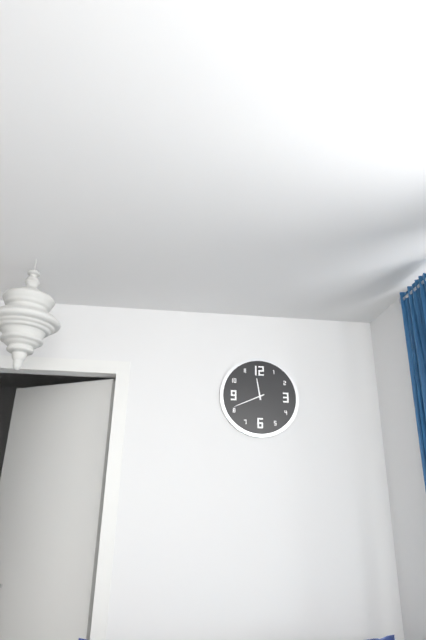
11:41
